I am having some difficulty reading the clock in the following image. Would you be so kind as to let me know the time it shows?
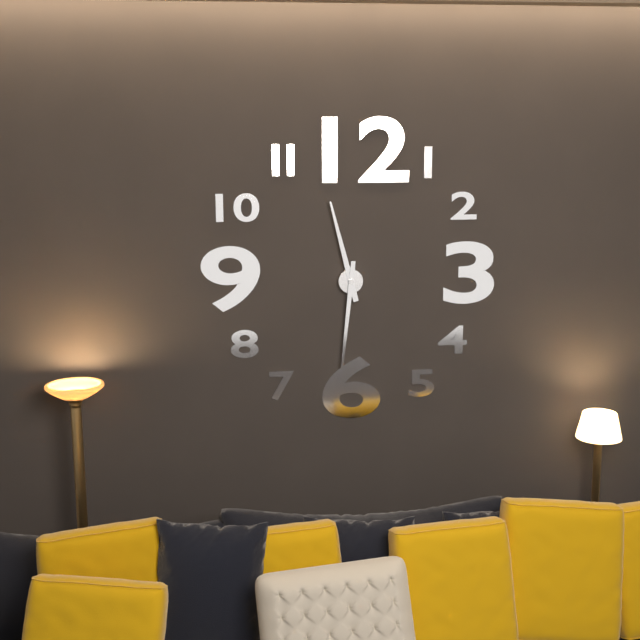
11:31
